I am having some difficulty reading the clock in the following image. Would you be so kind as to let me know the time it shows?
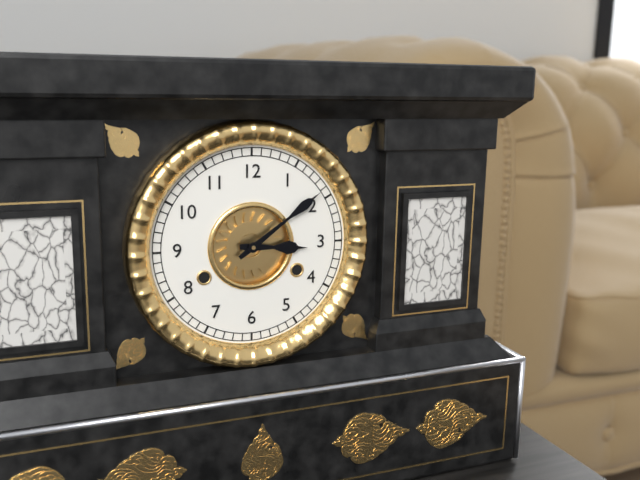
3:09
